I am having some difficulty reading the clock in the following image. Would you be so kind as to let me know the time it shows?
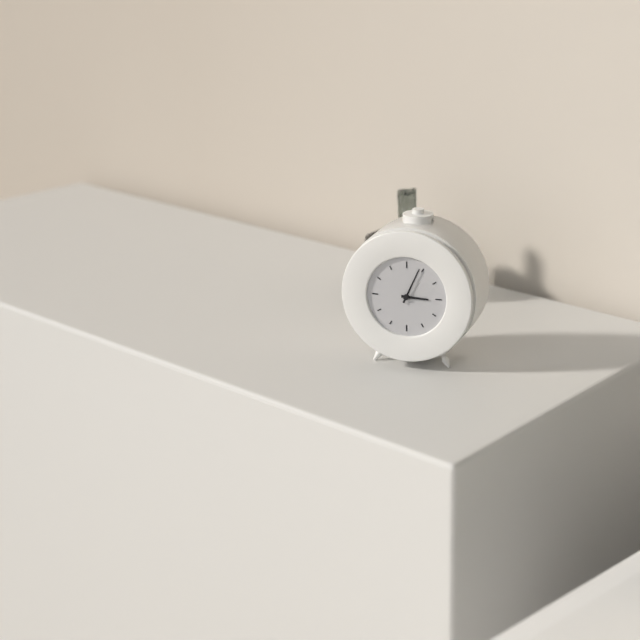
3:04
